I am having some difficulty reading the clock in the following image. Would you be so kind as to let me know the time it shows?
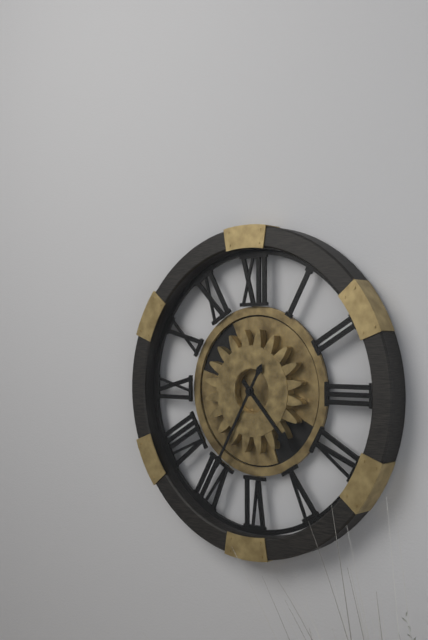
4:35
